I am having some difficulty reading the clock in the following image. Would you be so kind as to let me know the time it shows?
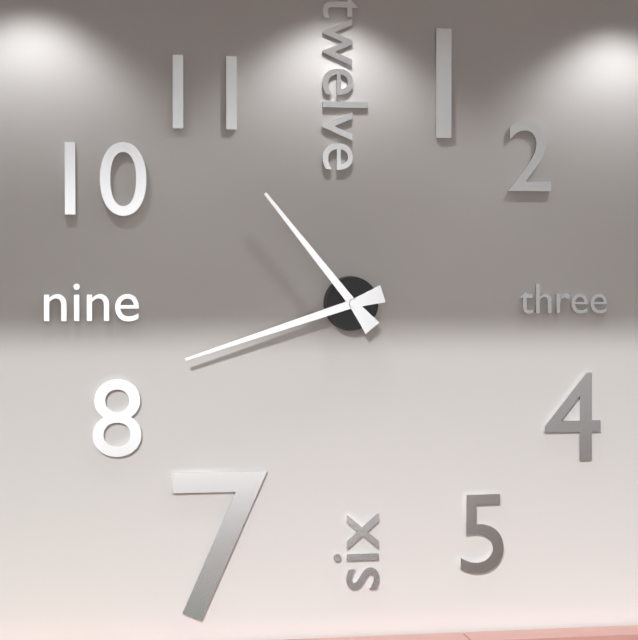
10:42
